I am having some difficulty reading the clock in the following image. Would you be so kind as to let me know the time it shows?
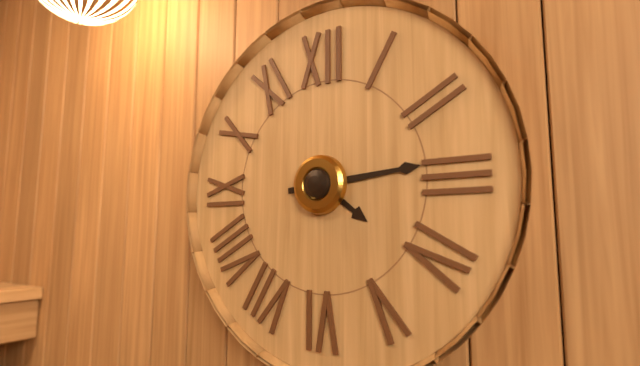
4:14
